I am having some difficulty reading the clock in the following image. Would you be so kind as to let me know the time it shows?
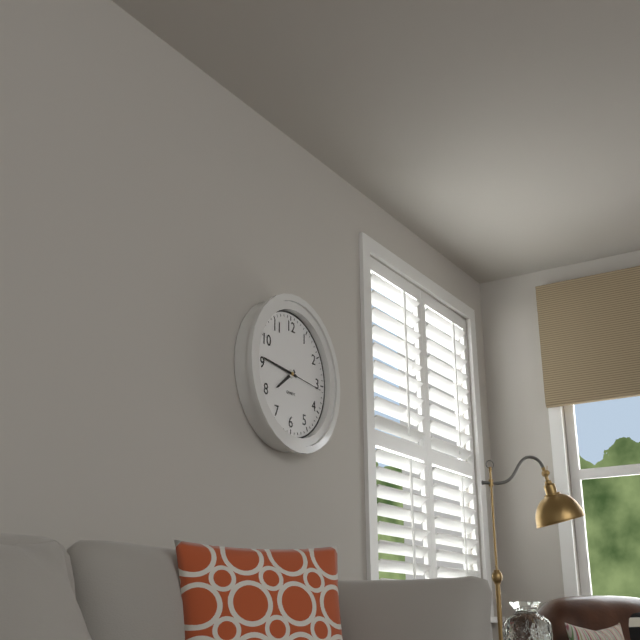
7:46
